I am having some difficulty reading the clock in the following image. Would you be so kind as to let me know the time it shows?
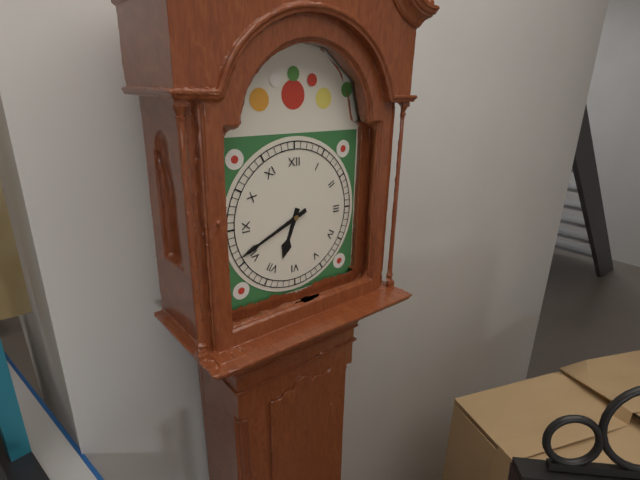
6:41
